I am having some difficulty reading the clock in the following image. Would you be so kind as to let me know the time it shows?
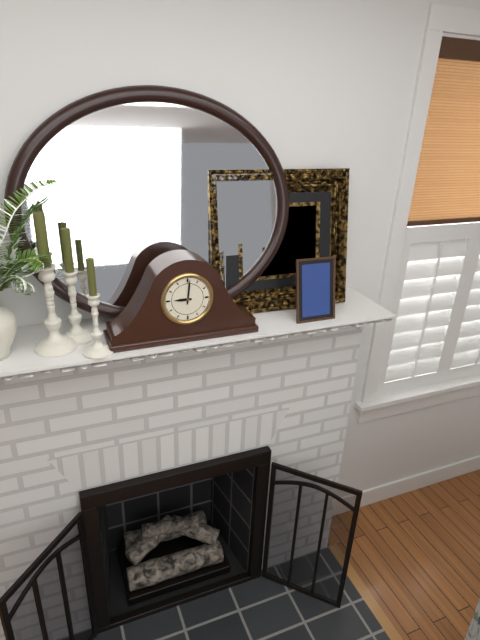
9:01
